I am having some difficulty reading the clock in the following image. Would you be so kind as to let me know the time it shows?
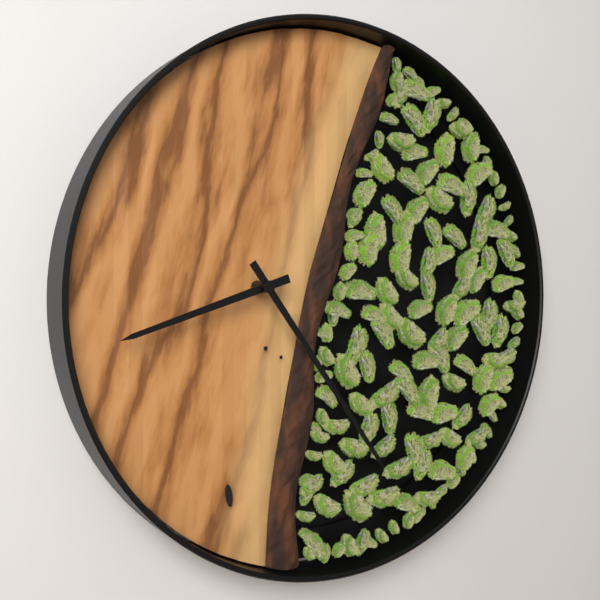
8:24
